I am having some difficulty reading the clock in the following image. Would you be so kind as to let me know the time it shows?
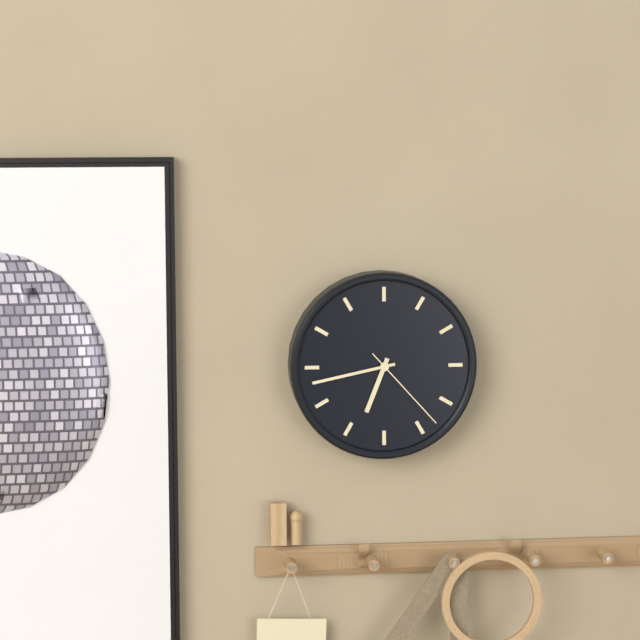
6:43:23
